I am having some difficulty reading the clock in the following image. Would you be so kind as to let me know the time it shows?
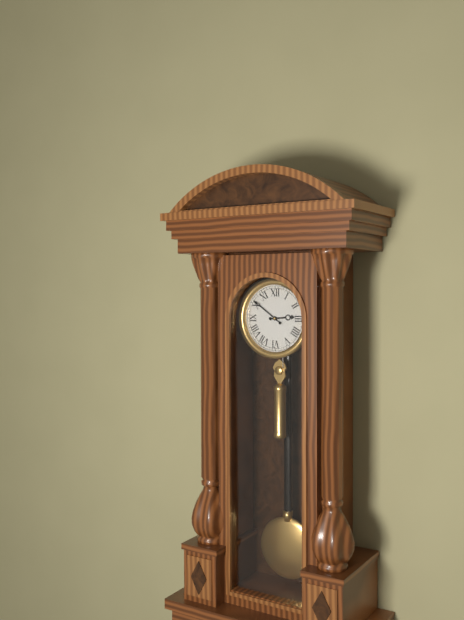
2:51
